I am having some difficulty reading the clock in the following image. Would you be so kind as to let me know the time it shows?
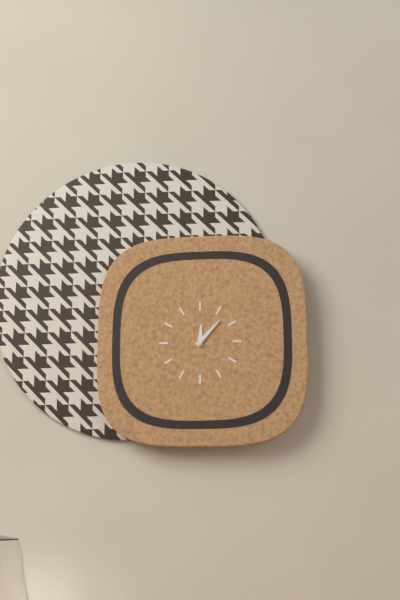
12:07
